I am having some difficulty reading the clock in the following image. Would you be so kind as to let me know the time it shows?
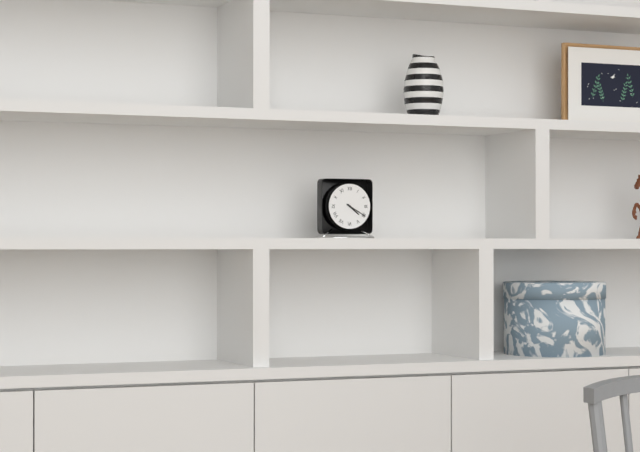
4:20
